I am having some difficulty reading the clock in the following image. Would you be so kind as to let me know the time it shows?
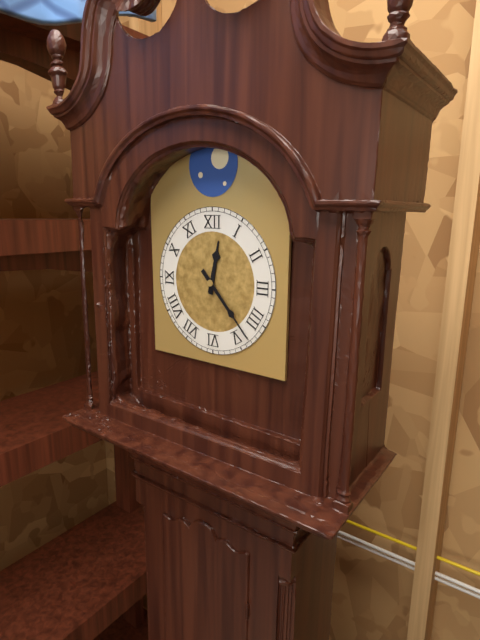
12:23
